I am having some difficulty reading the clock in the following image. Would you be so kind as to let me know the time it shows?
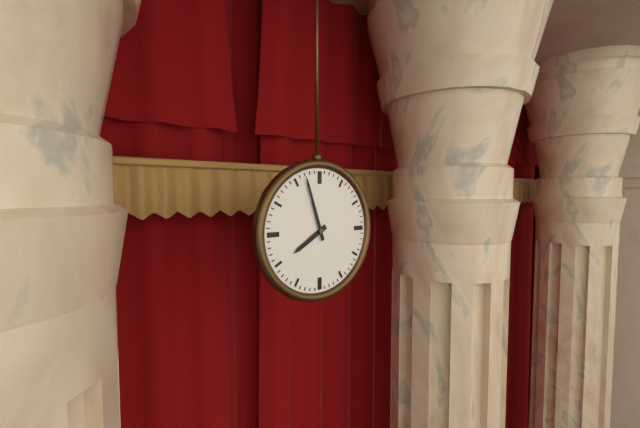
7:57
